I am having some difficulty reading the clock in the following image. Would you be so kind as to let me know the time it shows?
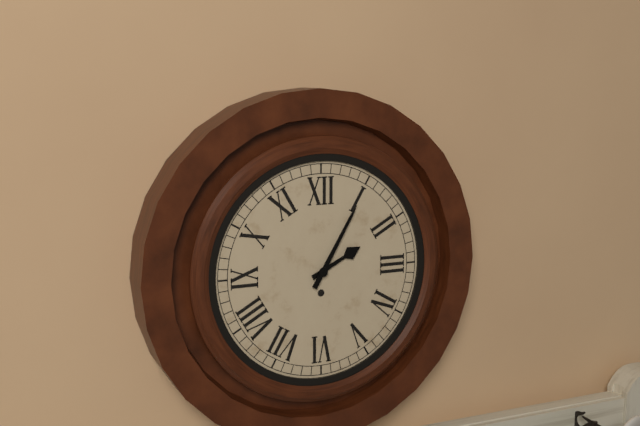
2:05
